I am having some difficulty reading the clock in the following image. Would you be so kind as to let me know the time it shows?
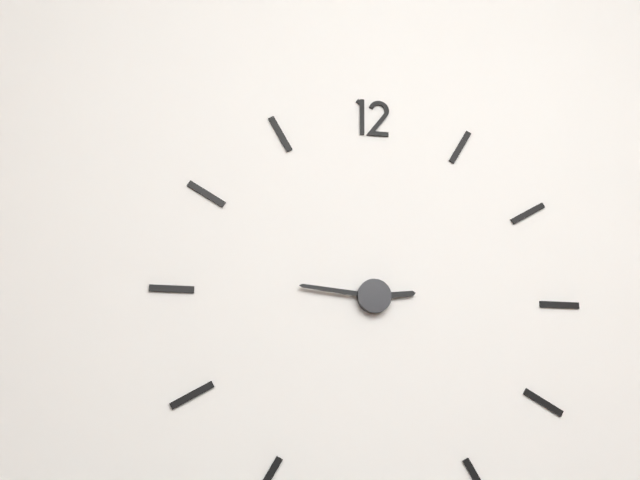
2:46
